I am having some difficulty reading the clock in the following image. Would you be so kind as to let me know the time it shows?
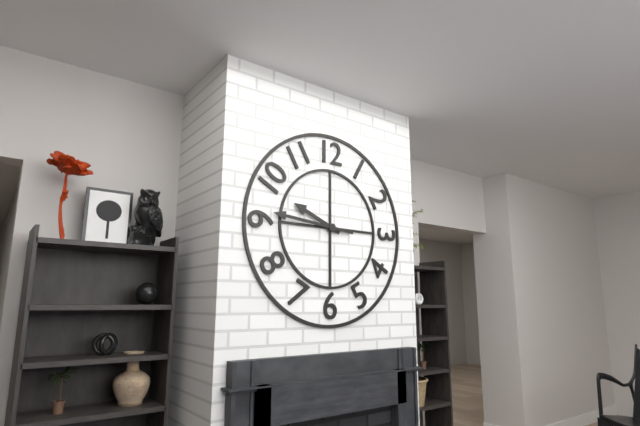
9:46
